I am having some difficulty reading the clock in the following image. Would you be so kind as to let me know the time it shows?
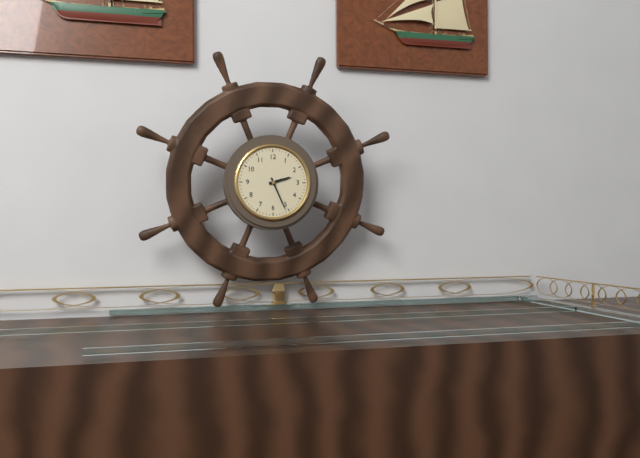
2:26
